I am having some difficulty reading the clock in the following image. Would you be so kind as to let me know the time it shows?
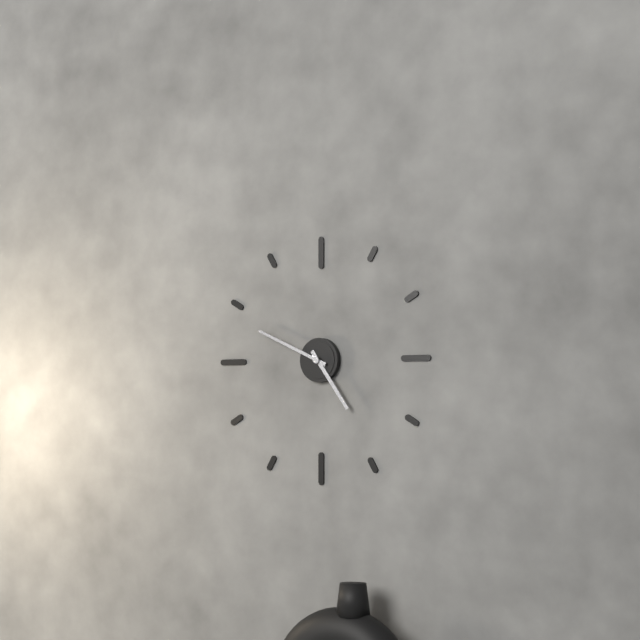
4:49
